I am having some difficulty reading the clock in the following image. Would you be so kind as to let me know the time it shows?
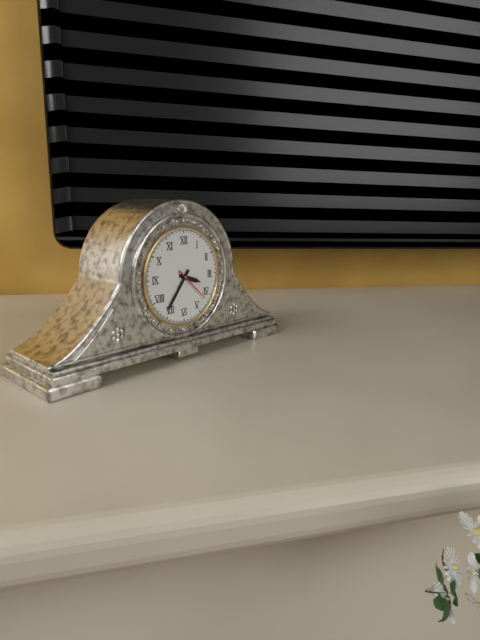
3:36:22
